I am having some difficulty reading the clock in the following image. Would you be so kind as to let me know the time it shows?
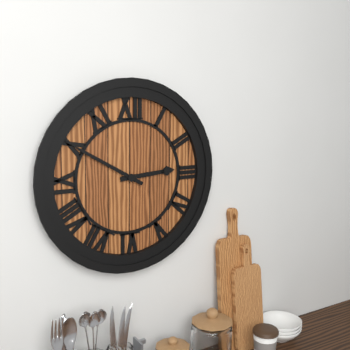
2:50
